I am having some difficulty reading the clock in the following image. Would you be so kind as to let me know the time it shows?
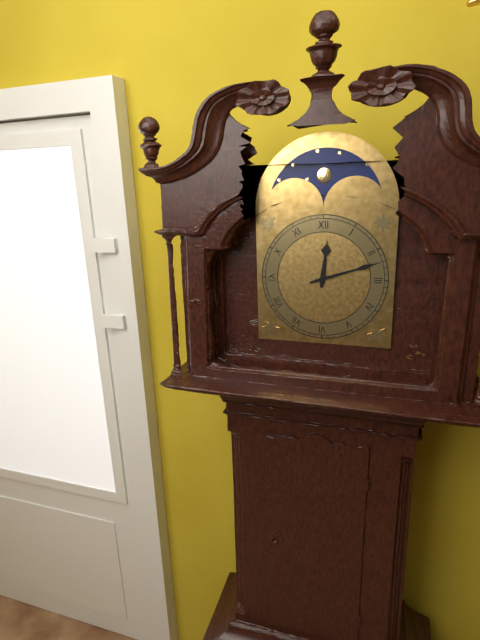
12:12
